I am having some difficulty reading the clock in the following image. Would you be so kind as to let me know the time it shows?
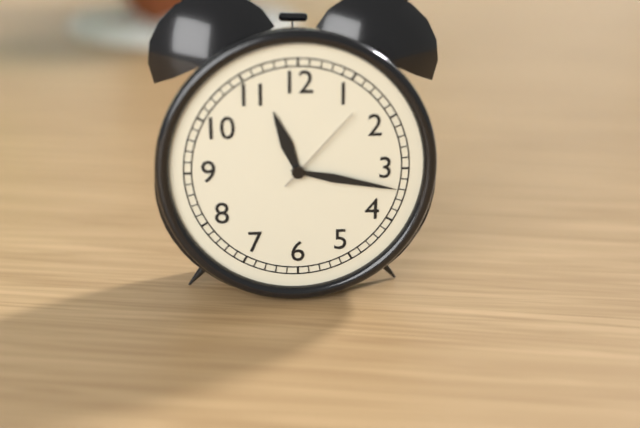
11:17:07
